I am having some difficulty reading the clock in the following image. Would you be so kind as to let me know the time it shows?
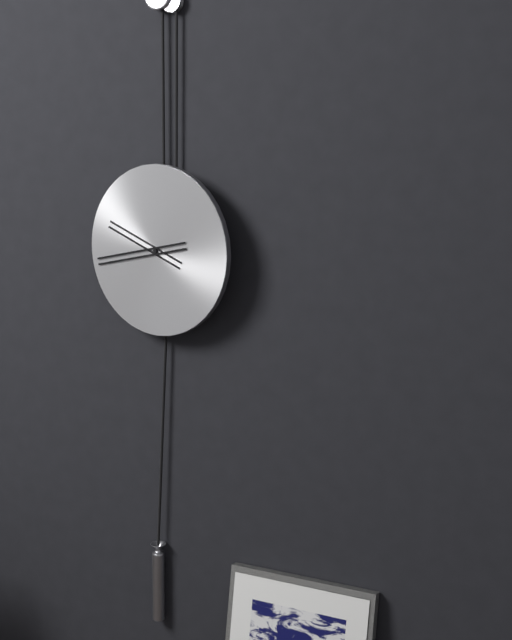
9:43
